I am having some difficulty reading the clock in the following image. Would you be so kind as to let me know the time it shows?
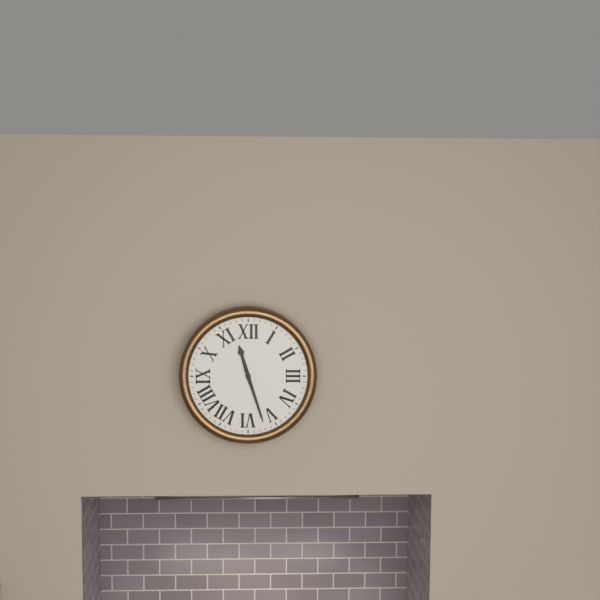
11:27
